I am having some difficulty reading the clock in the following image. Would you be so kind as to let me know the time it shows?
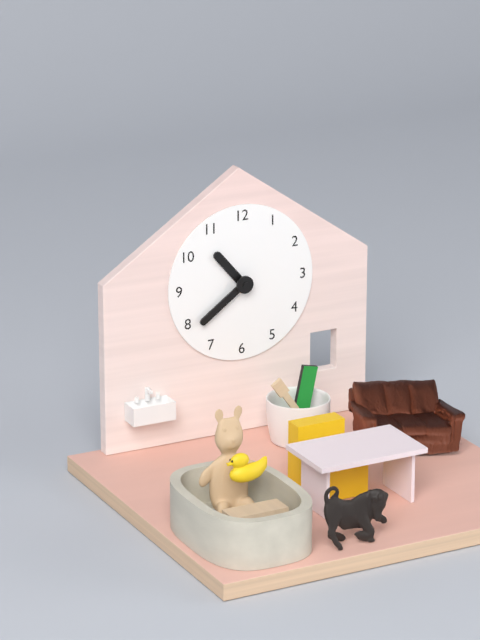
10:39
